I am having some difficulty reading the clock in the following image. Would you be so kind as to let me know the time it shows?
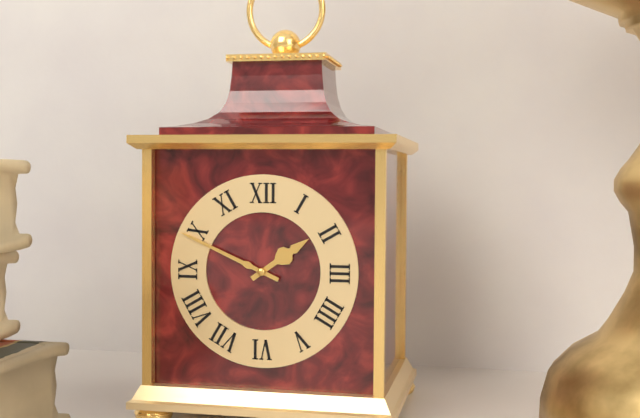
1:49
